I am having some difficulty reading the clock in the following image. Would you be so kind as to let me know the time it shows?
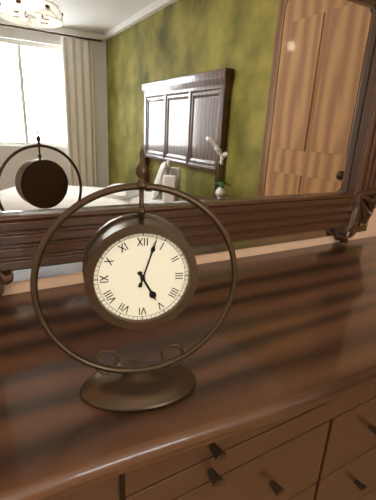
5:03
